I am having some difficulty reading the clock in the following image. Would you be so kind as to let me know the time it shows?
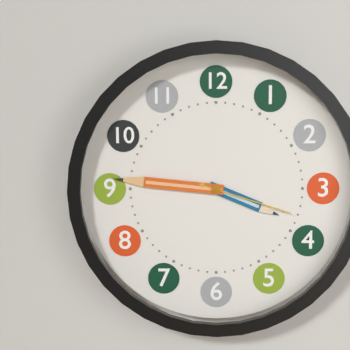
3:46:18
